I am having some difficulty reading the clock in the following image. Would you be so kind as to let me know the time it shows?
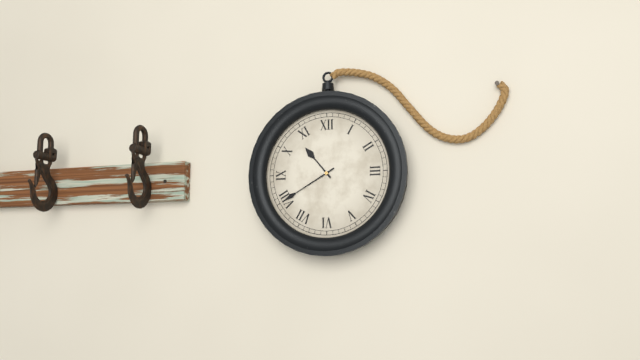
10:40
